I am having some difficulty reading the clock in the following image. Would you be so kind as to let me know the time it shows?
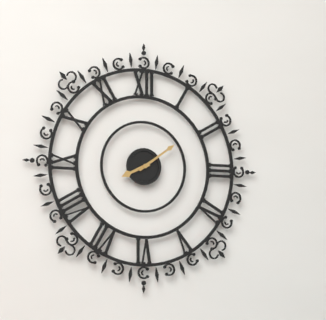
8:09
